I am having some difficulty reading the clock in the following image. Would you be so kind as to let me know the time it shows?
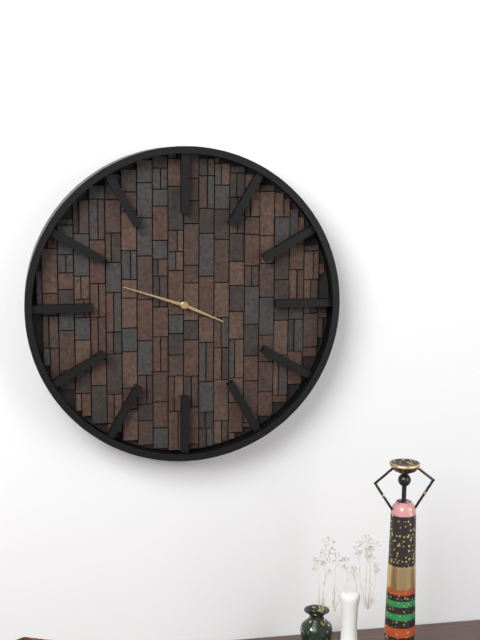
3:48
